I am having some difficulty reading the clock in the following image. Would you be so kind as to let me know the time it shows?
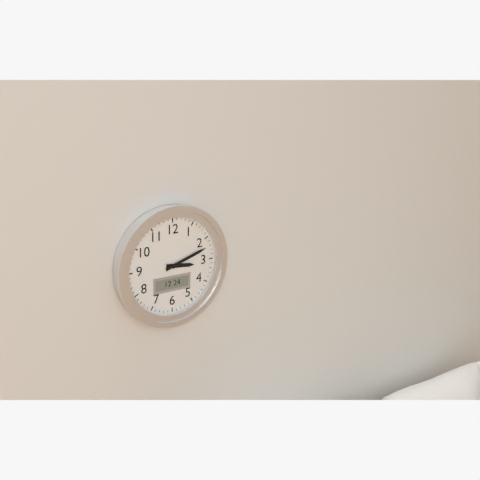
3:12
